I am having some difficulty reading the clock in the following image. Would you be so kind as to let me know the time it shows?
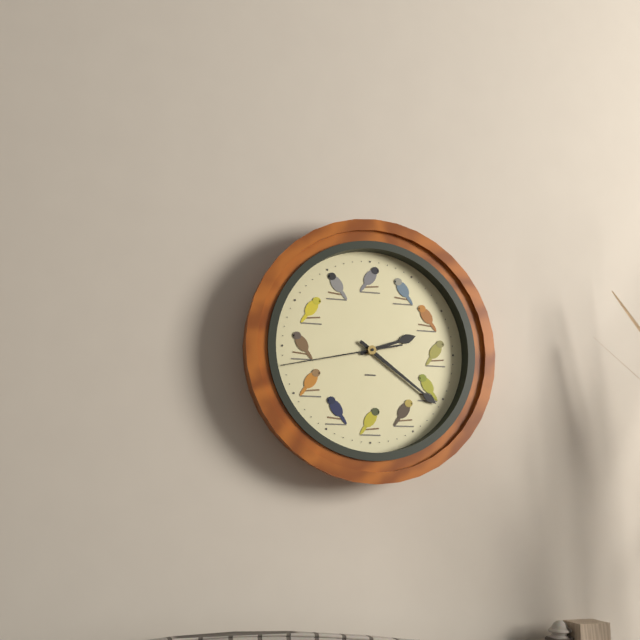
2:21:43
